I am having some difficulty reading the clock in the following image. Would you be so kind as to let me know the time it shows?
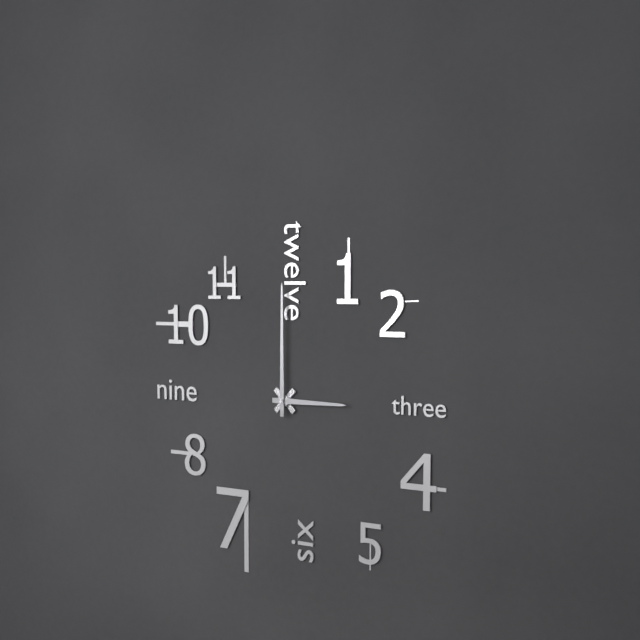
3:00
